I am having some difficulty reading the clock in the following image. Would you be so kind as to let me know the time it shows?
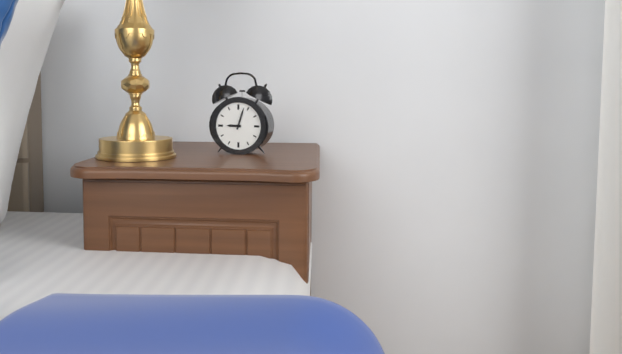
9:03
